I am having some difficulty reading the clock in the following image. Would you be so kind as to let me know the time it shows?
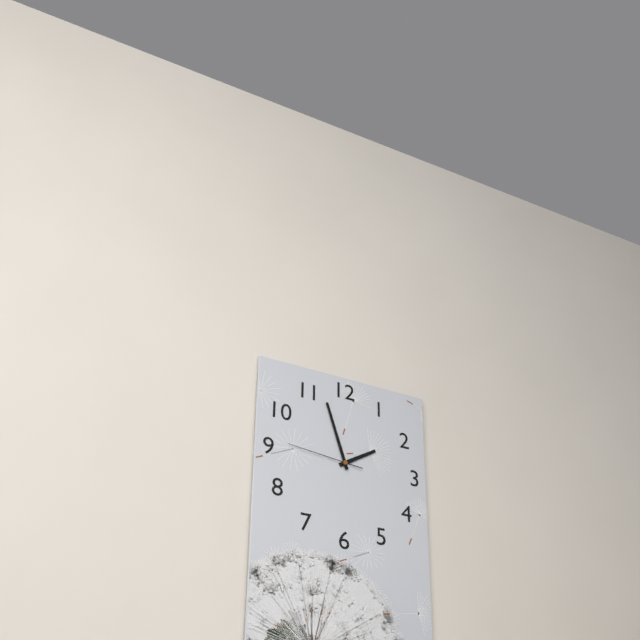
1:57:46
